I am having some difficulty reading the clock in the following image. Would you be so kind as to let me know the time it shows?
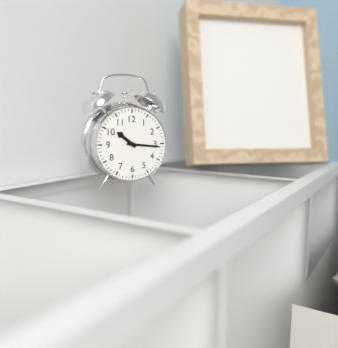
10:16
